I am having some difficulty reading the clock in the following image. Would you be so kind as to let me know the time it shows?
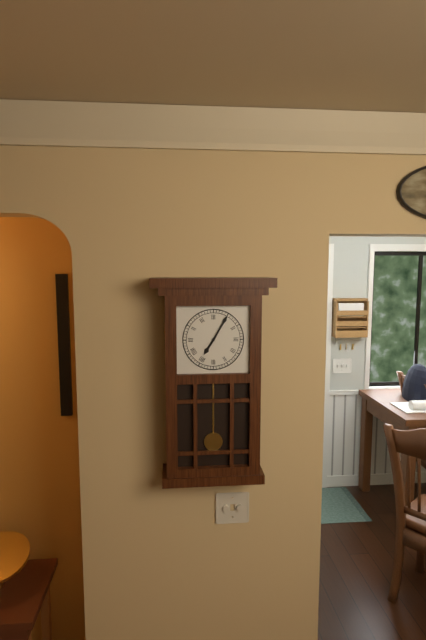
7:05
